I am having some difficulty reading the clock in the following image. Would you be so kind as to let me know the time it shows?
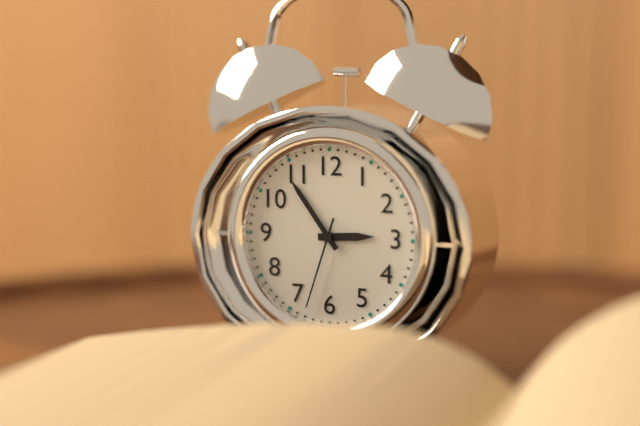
2:54:33
